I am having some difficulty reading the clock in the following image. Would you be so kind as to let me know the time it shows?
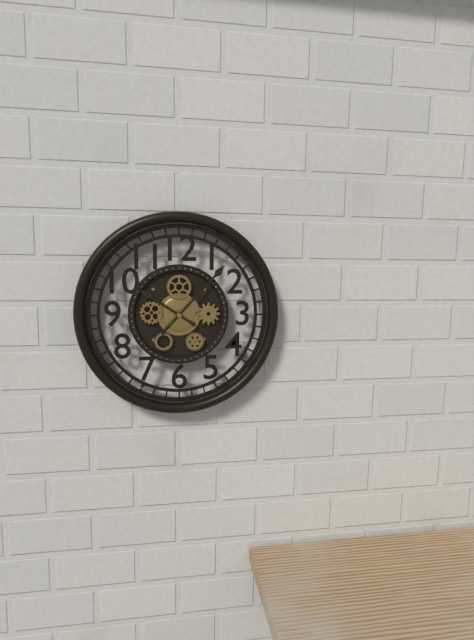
10:07
